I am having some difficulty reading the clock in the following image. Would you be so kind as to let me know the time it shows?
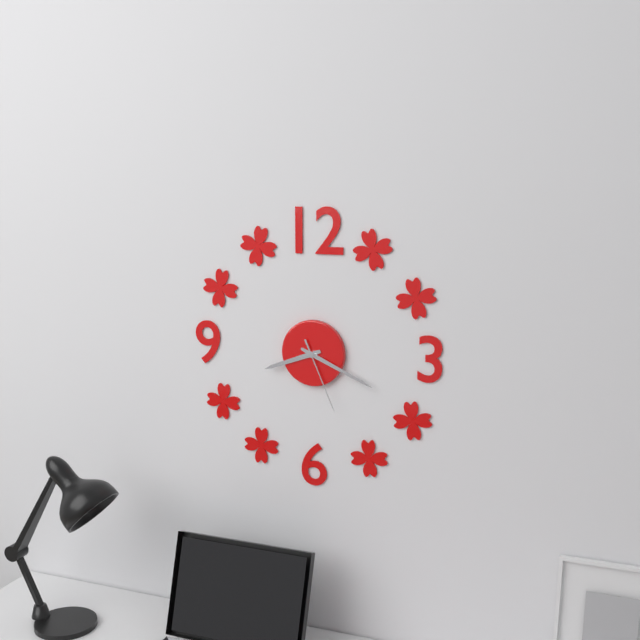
8:19:26
